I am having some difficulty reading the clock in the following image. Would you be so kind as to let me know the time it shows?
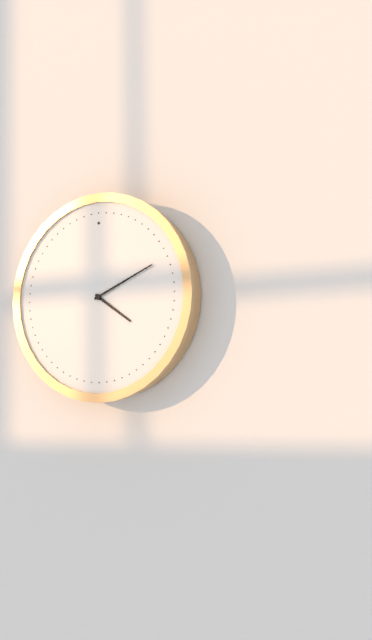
4:11
